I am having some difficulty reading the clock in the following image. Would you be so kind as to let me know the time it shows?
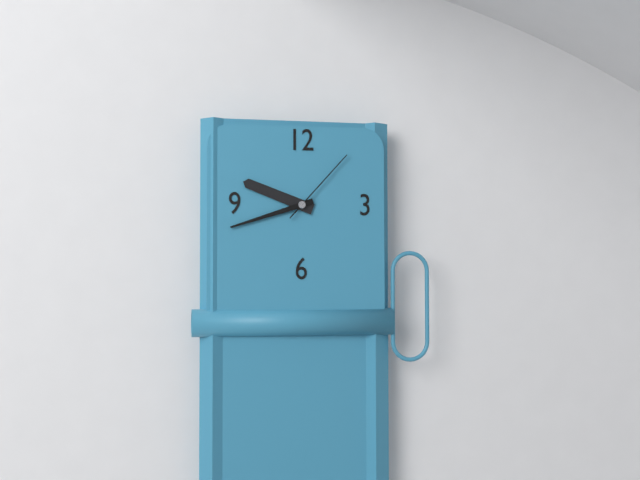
9:42:07
